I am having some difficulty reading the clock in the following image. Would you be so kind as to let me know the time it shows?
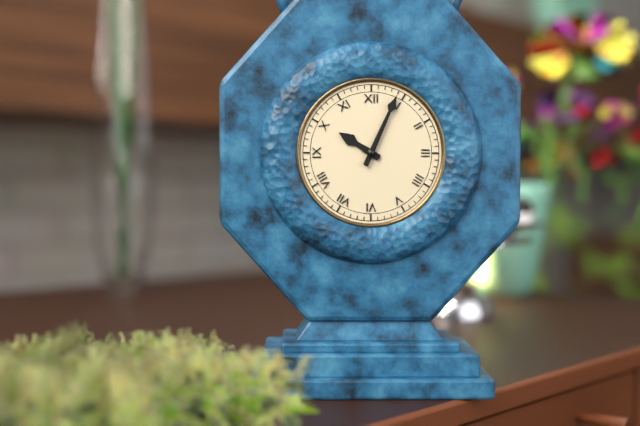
10:04
